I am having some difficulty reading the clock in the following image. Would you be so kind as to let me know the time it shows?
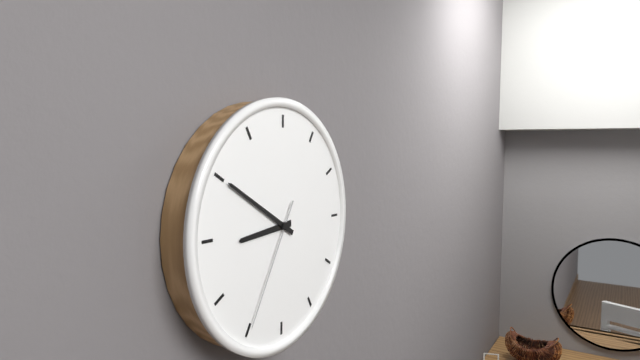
8:50:35
